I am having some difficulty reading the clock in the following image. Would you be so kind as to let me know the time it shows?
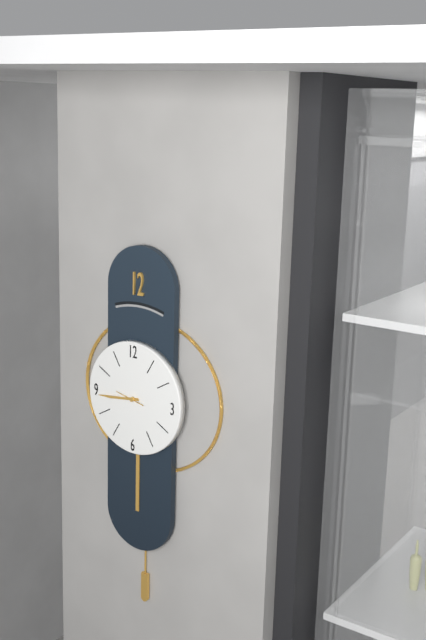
8:44
